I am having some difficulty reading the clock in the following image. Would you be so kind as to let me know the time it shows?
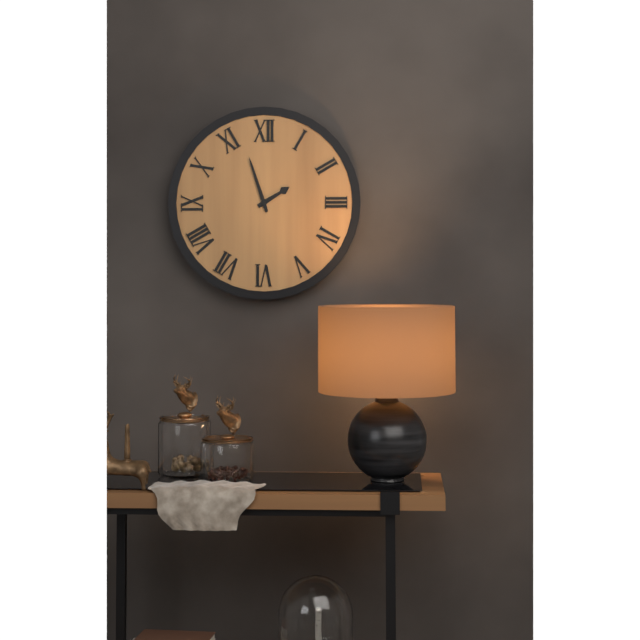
1:57
